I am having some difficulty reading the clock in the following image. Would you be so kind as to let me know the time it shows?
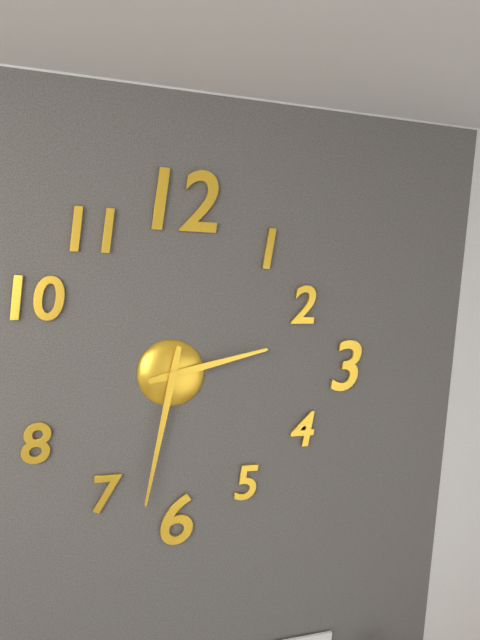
2:32
